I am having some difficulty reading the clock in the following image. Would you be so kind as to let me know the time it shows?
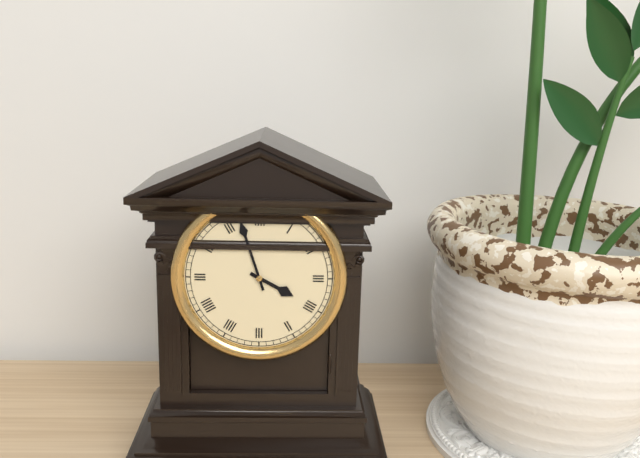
3:57
